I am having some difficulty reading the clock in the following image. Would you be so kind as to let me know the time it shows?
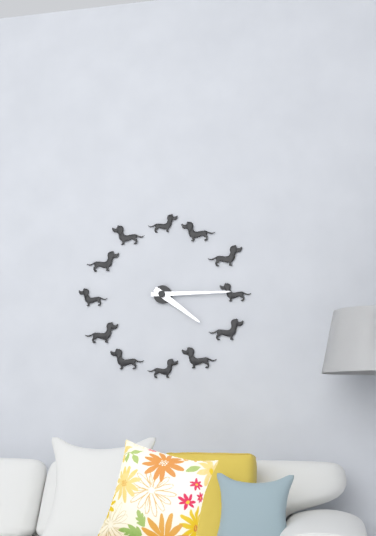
4:15
